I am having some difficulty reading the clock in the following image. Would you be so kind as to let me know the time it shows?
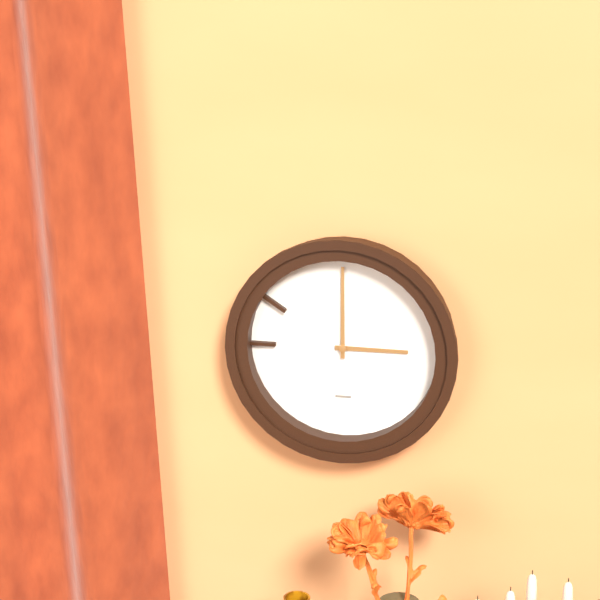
3:00
